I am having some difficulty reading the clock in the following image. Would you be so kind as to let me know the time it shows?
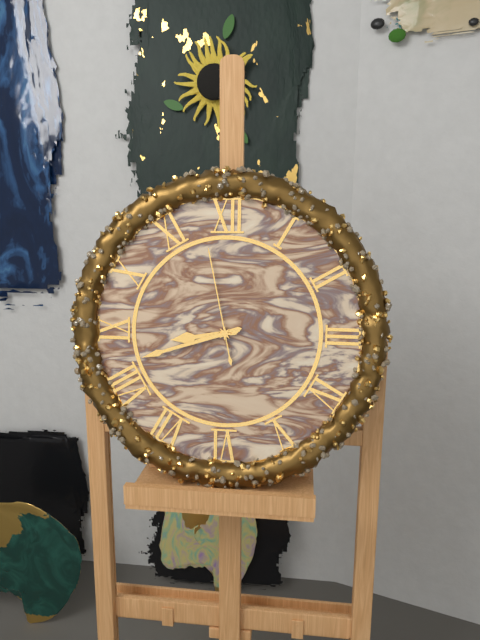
8:42:58
